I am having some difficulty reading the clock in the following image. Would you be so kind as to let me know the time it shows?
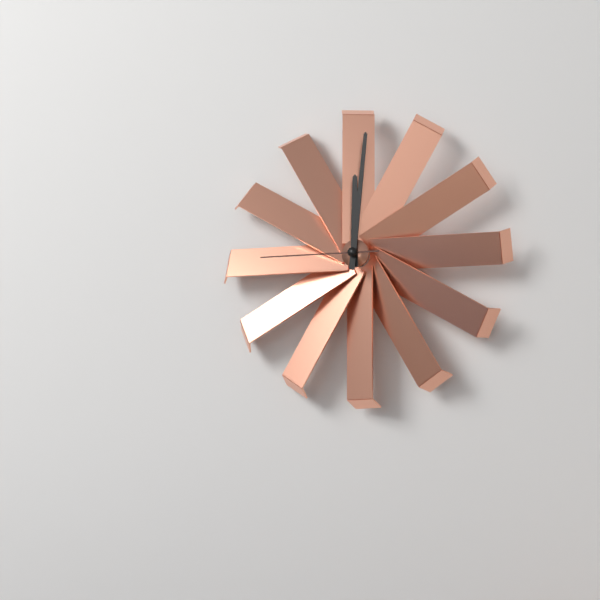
12:01:45
